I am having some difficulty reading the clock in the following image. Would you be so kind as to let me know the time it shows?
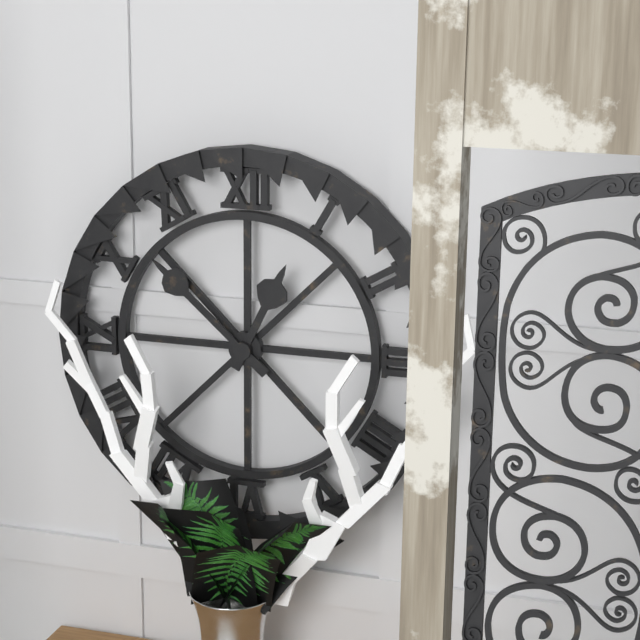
12:52
